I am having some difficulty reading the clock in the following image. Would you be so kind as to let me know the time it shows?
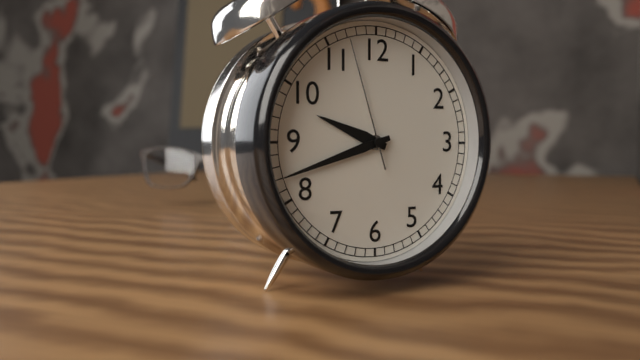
9:42:57
